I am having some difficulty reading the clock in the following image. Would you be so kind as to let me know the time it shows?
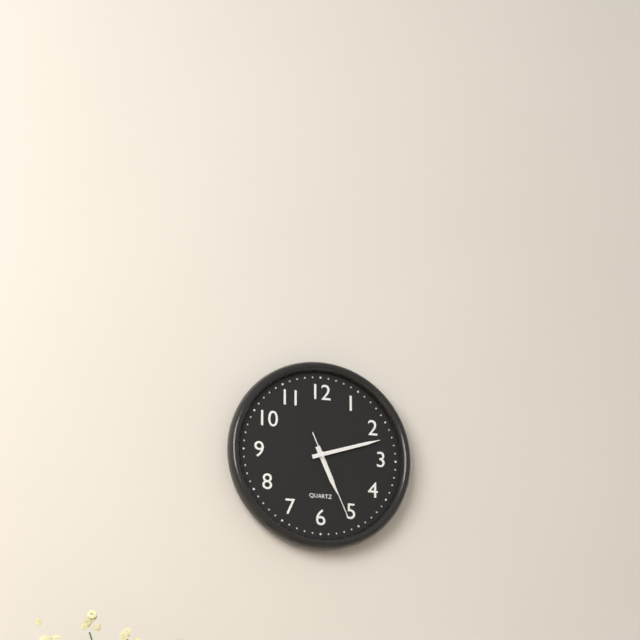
5:12:26
